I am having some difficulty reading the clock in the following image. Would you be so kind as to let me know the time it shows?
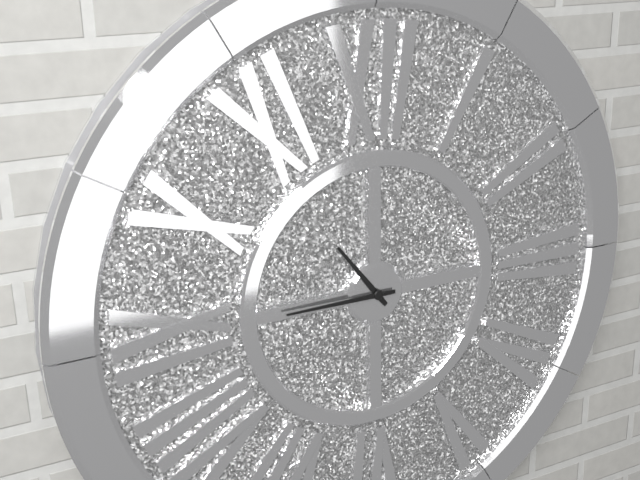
10:45
